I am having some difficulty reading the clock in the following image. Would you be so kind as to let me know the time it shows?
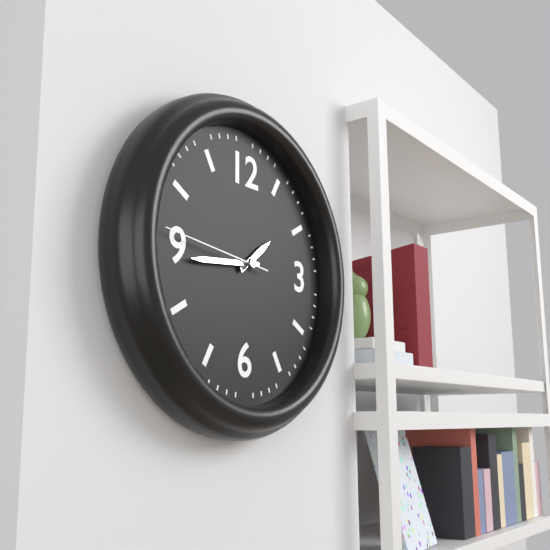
1:44:46
